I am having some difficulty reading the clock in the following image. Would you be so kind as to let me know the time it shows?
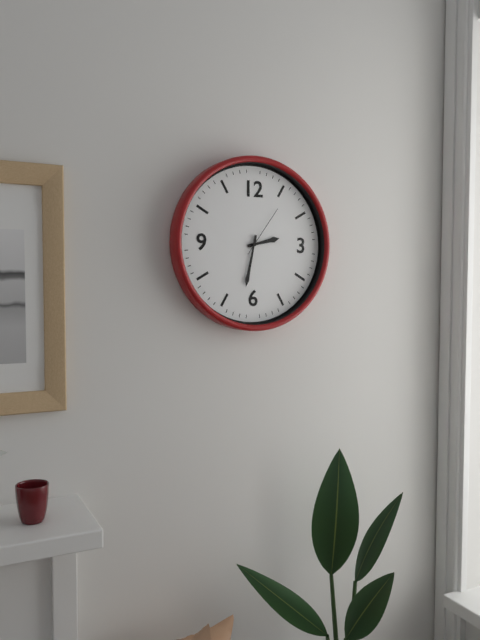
2:32:06
